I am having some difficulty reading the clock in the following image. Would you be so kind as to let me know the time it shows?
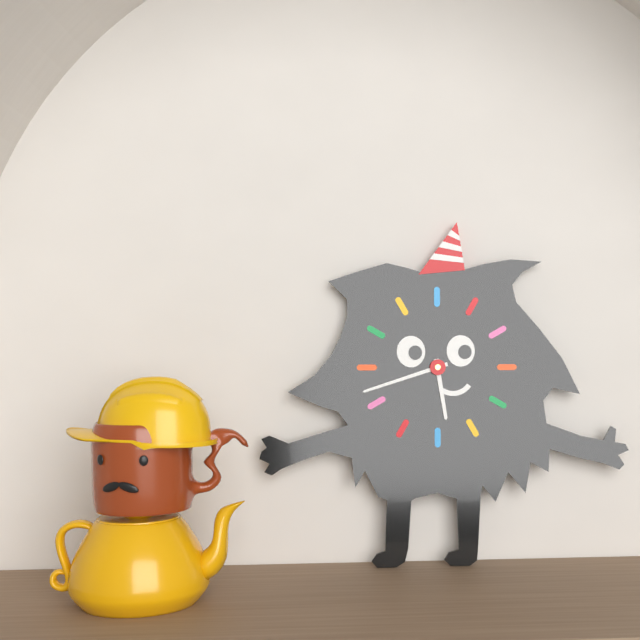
5:42
